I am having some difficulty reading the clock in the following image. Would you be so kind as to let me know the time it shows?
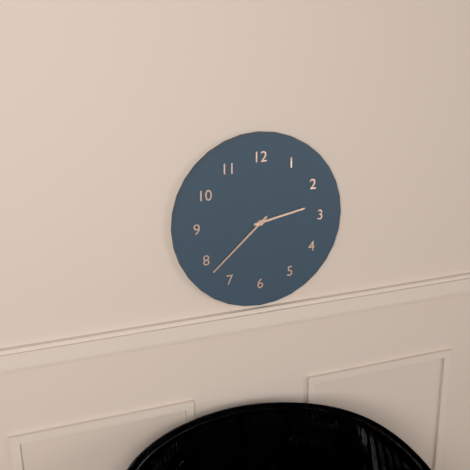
2:38
